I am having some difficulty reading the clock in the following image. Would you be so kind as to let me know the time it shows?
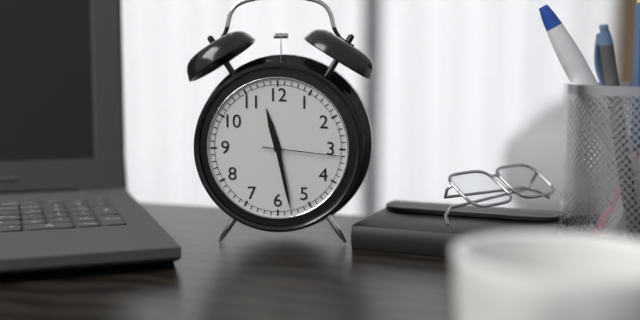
11:28:16
